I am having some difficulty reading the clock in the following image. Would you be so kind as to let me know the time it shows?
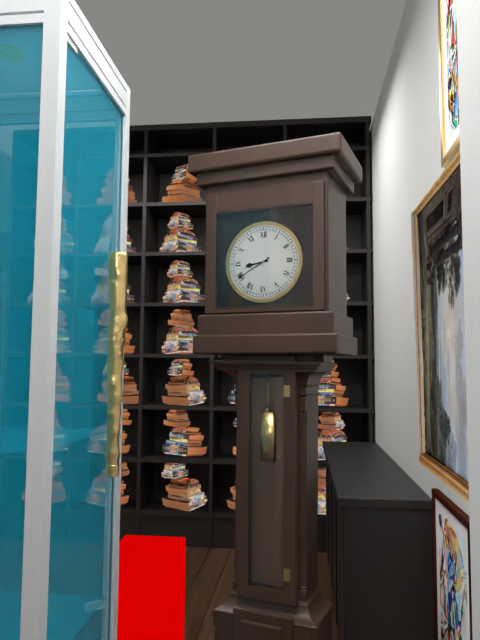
8:40
